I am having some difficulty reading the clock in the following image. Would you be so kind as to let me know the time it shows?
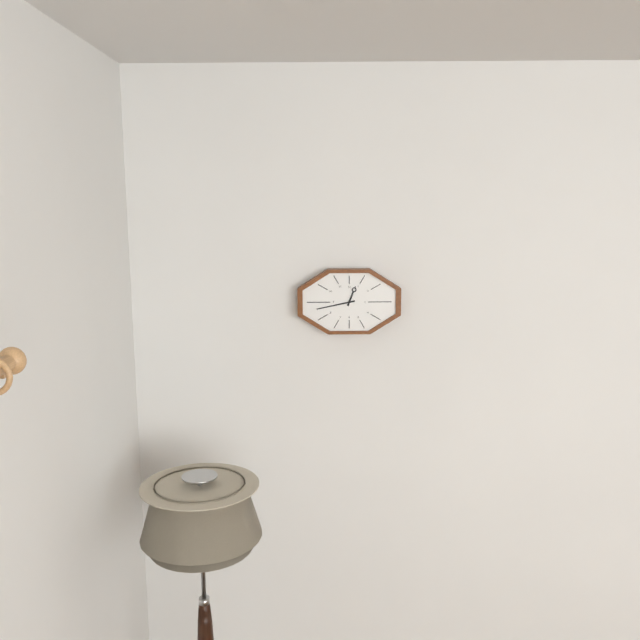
12:43
